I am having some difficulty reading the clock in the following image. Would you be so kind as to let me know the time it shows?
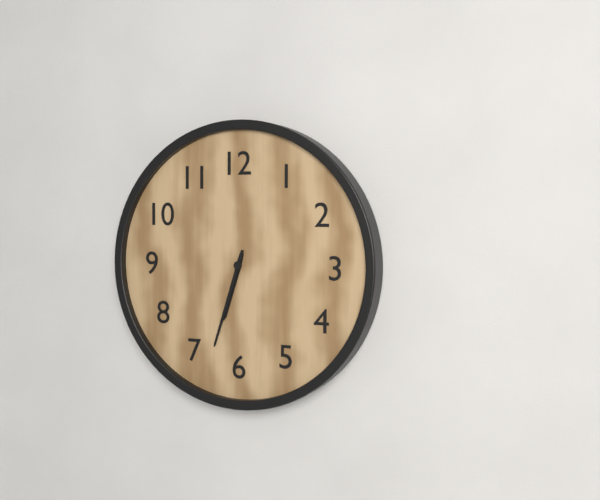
6:33
